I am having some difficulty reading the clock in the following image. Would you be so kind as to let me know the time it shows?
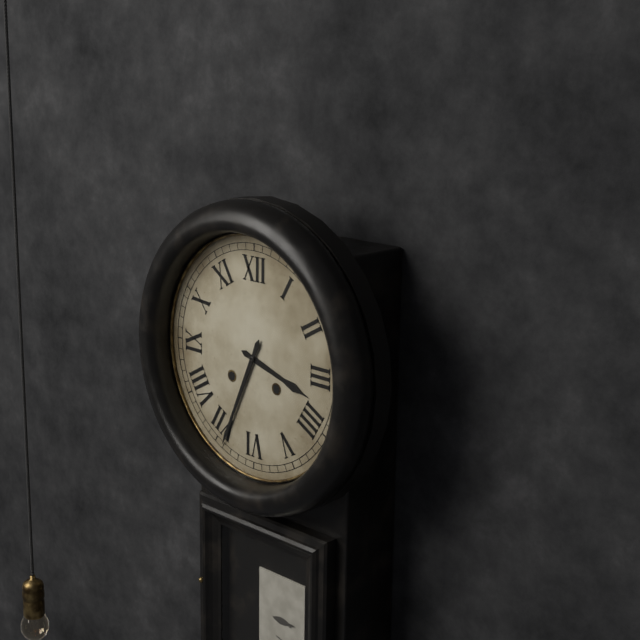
3:34
